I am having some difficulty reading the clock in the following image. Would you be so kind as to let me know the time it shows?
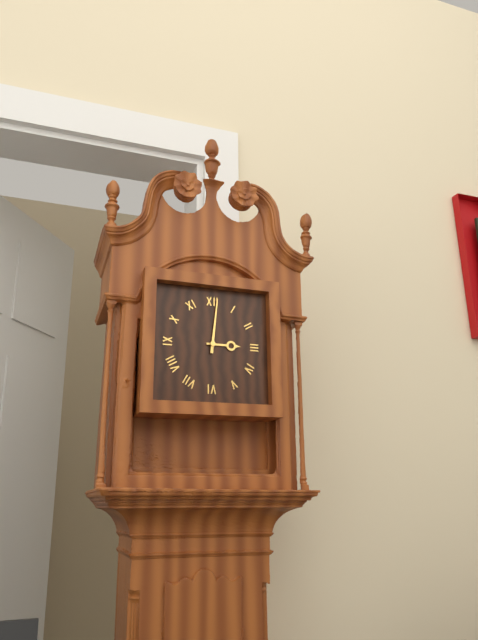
3:01
